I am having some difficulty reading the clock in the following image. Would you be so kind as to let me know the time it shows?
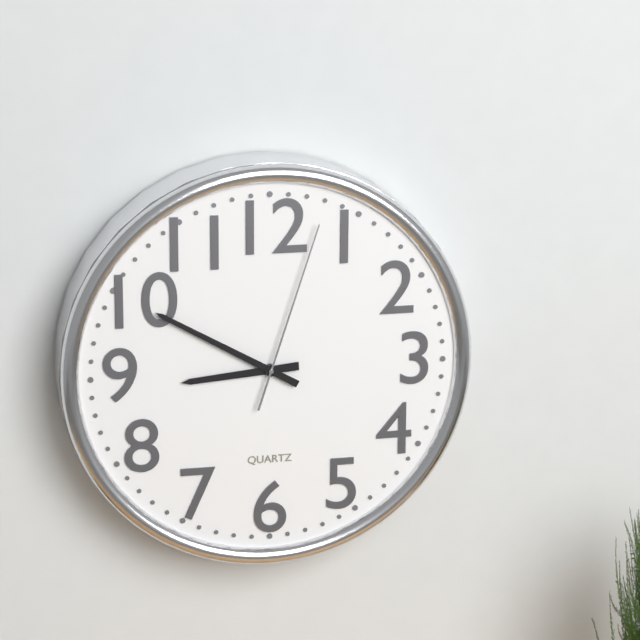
8:50:03
